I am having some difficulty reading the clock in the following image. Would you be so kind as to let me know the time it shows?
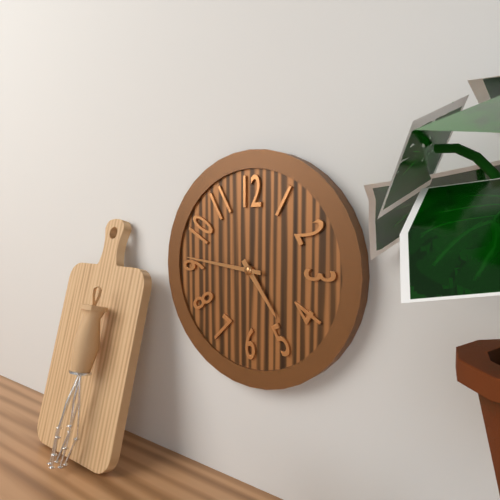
4:46
